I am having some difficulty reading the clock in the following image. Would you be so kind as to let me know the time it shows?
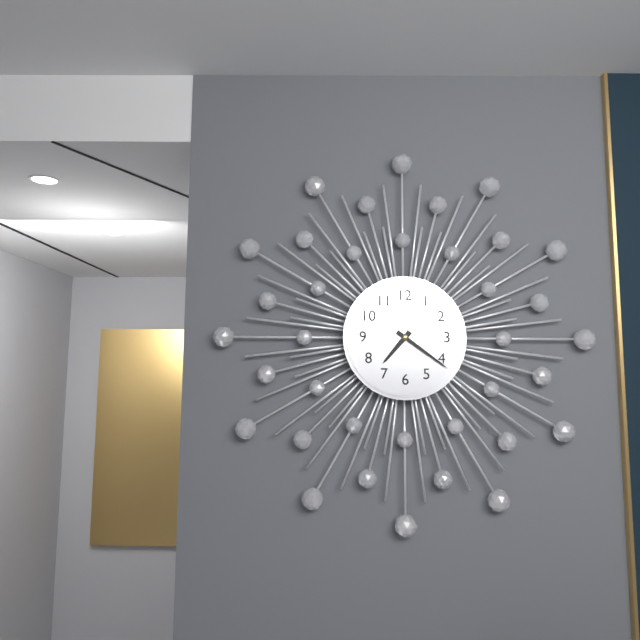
7:21
